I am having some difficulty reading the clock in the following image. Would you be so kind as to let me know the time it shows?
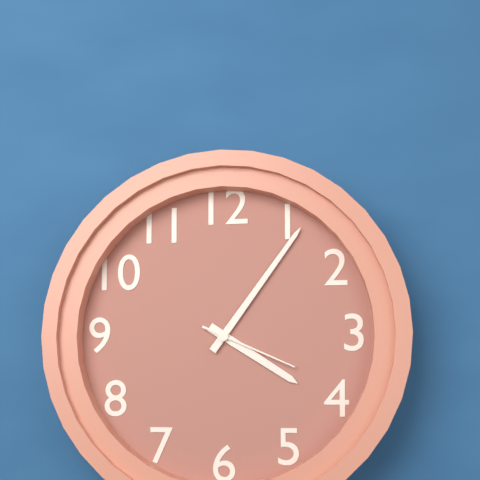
4:06:19
